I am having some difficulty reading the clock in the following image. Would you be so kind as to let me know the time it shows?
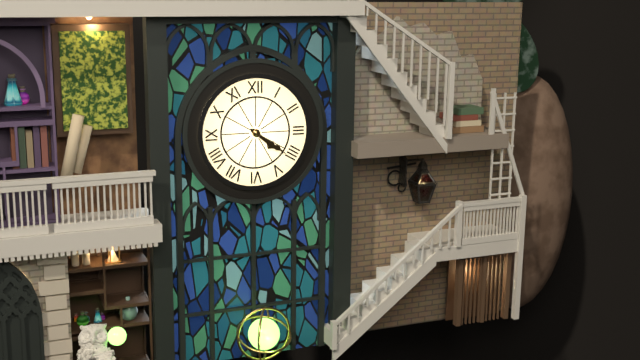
4:21
